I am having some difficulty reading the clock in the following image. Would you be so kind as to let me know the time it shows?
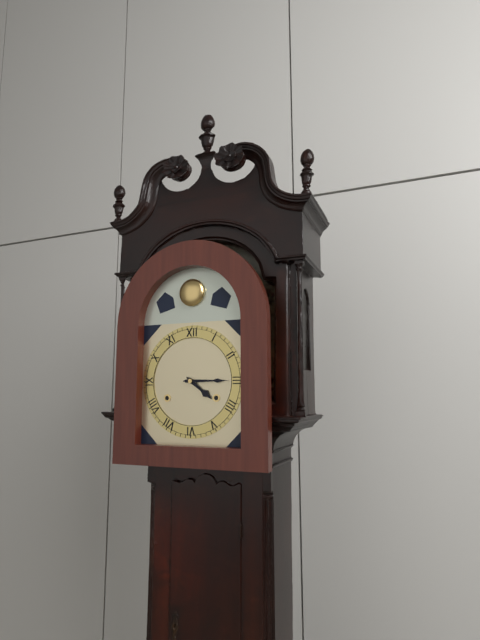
4:15
